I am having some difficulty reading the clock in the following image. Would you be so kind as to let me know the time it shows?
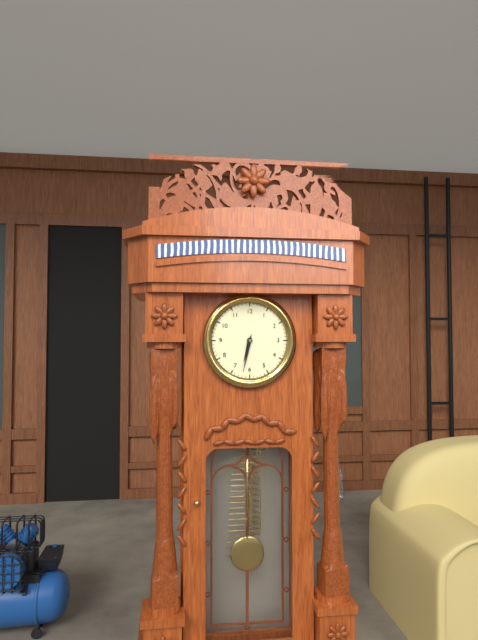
6:32
